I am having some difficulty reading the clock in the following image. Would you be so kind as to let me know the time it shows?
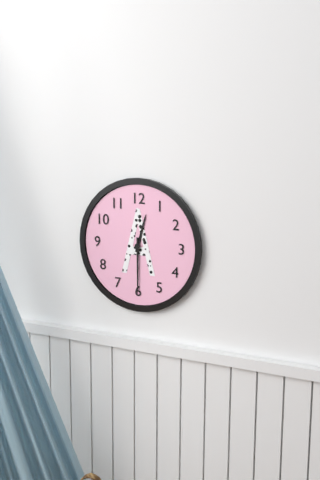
12:30
